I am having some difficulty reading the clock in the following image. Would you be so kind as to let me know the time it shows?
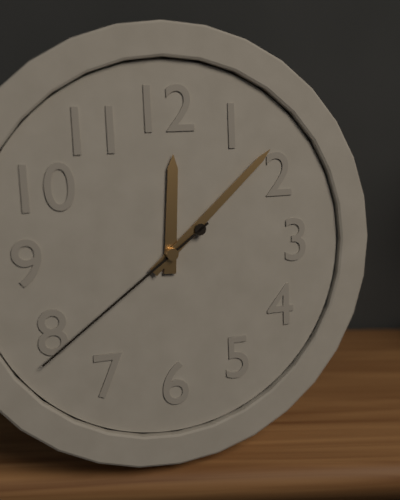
12:08:39
